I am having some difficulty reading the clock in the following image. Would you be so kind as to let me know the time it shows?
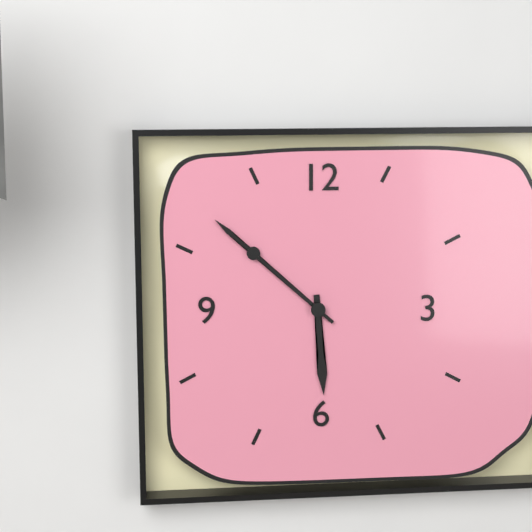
5:52
